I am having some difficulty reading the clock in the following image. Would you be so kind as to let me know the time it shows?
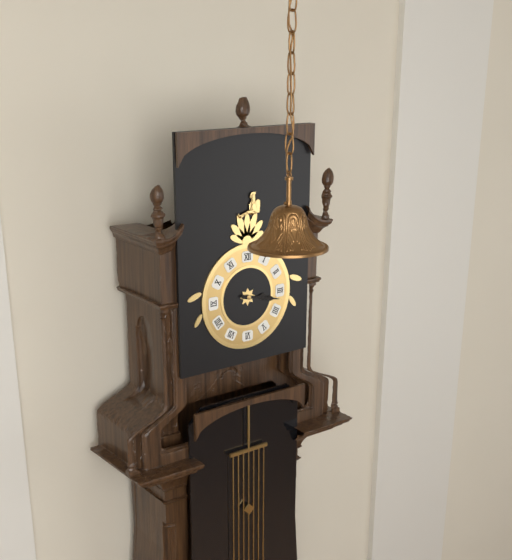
3:17
